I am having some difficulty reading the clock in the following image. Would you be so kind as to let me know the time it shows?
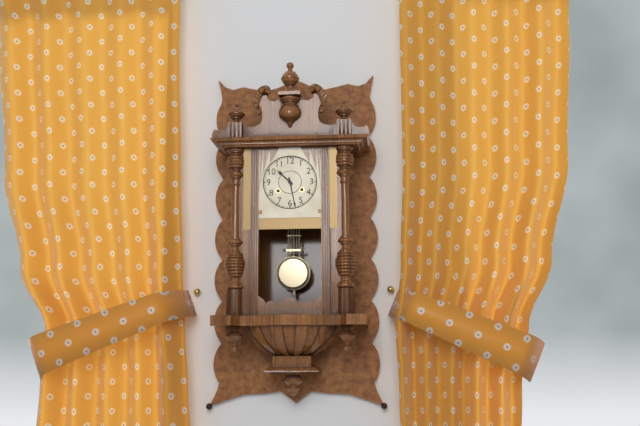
10:28
